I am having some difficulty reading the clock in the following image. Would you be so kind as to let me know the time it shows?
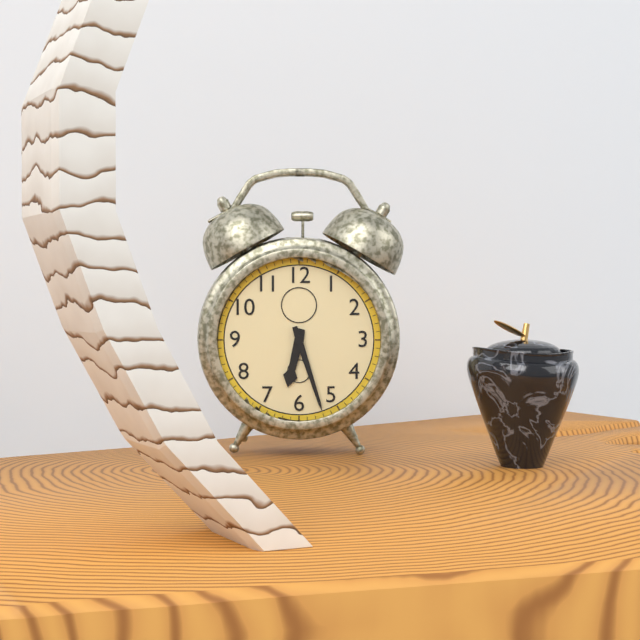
6:27
